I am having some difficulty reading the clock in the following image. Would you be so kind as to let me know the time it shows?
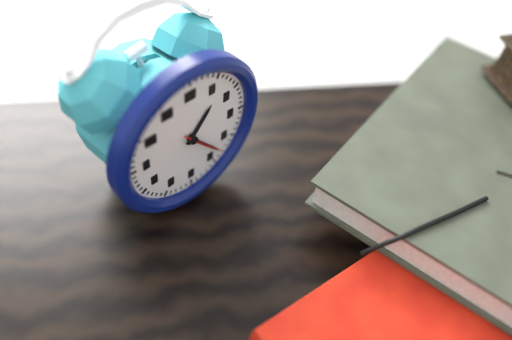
1:23
